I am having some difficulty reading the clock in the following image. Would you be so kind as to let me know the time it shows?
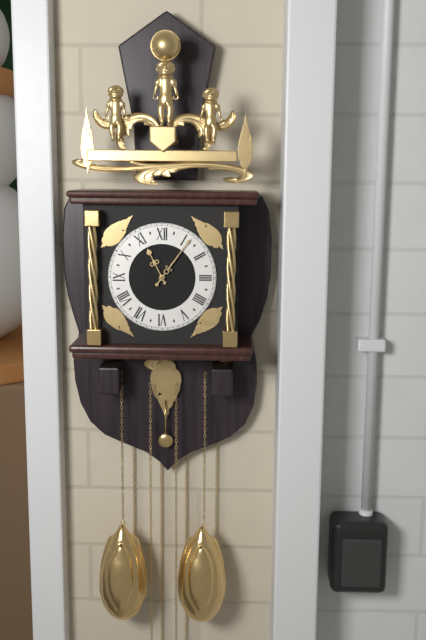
11:06
